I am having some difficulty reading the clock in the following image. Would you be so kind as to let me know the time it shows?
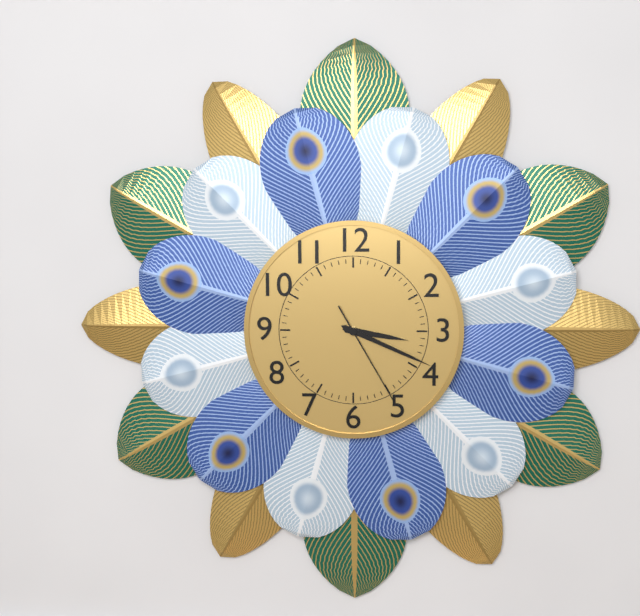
3:19:25
